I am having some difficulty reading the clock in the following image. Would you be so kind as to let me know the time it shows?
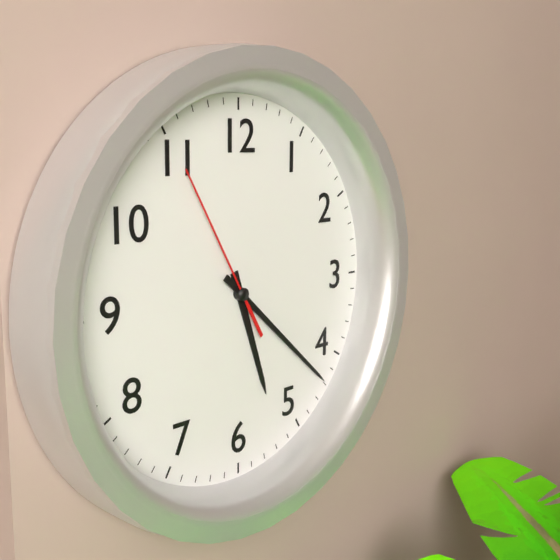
5:22:55
